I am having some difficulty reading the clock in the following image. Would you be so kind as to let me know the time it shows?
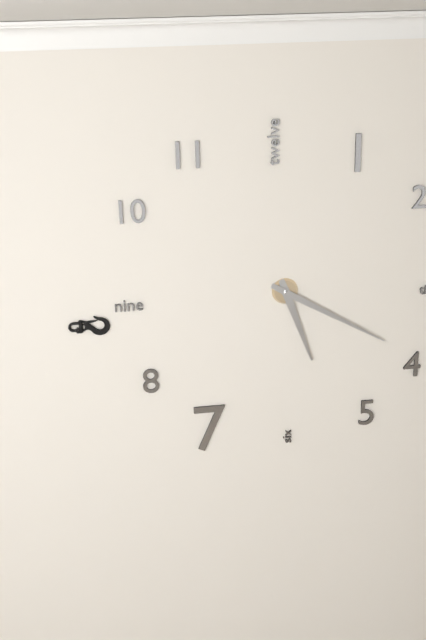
5:20
